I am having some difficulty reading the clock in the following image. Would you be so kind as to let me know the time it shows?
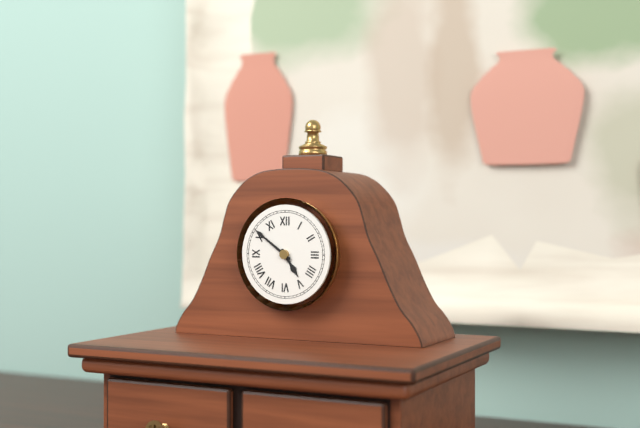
4:51
